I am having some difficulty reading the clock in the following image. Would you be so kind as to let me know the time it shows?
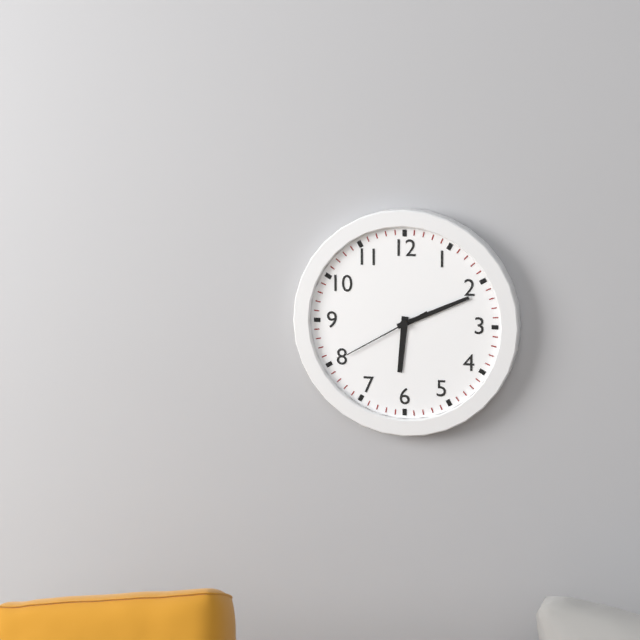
6:11:40
